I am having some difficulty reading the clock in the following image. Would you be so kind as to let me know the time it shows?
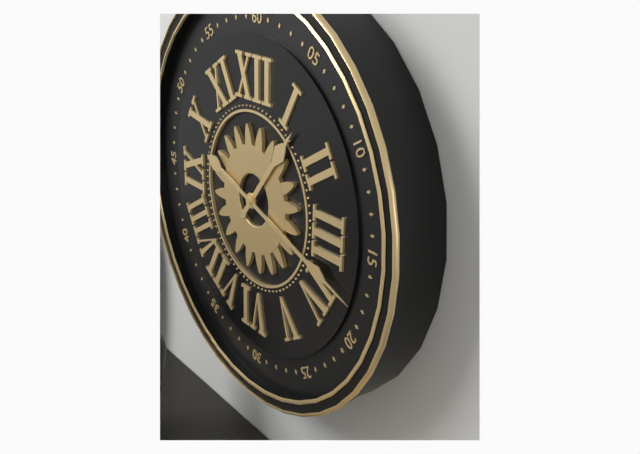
1:18
